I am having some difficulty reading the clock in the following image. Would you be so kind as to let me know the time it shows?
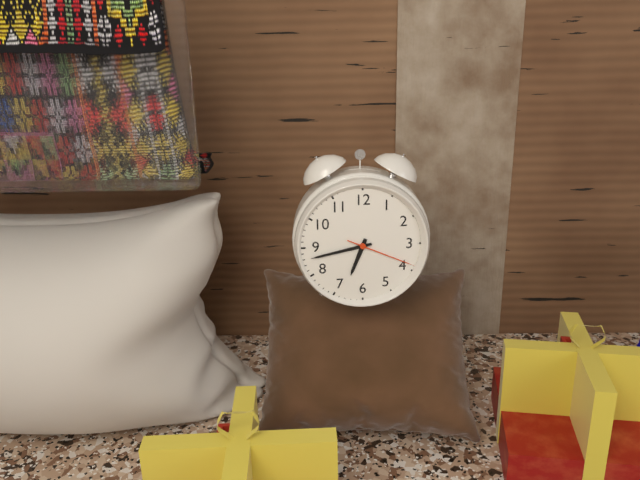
6:43:19
